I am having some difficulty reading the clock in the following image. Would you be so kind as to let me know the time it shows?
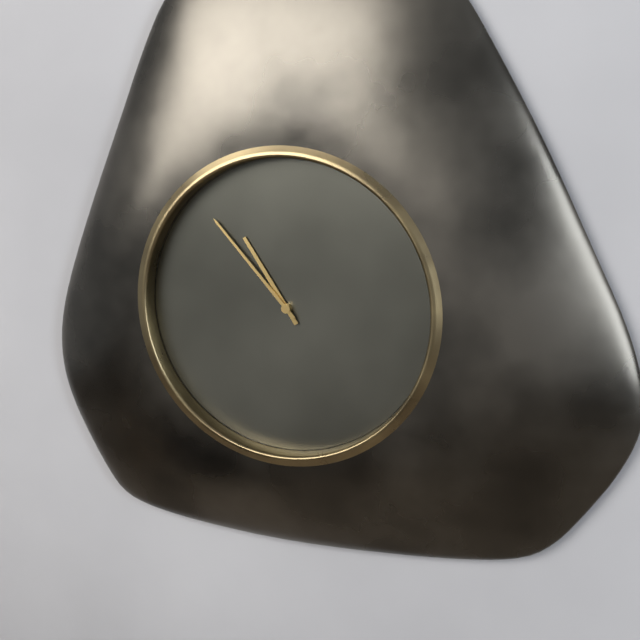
10:53
